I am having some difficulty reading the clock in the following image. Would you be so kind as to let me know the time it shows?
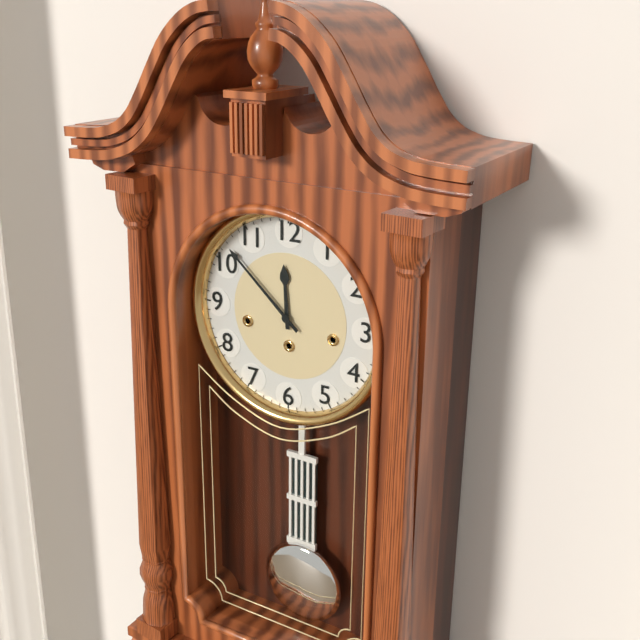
11:52
